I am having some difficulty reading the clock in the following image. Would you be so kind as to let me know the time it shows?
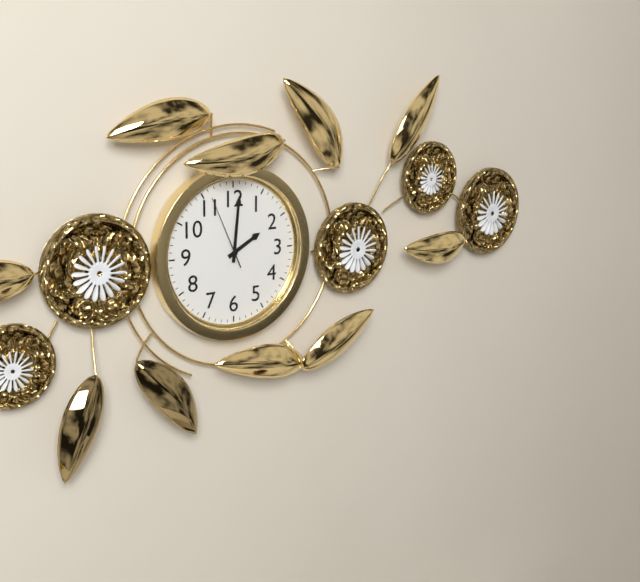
2:01:56
